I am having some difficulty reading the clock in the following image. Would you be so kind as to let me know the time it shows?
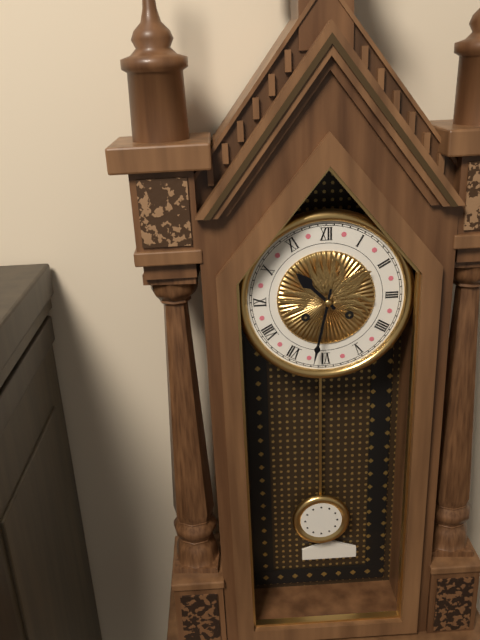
10:32
